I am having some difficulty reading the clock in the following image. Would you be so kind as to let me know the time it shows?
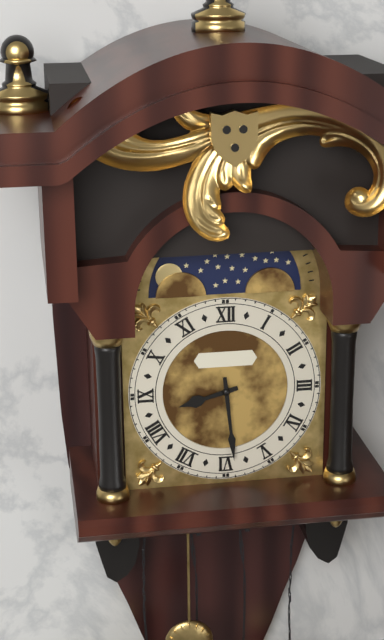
8:29
